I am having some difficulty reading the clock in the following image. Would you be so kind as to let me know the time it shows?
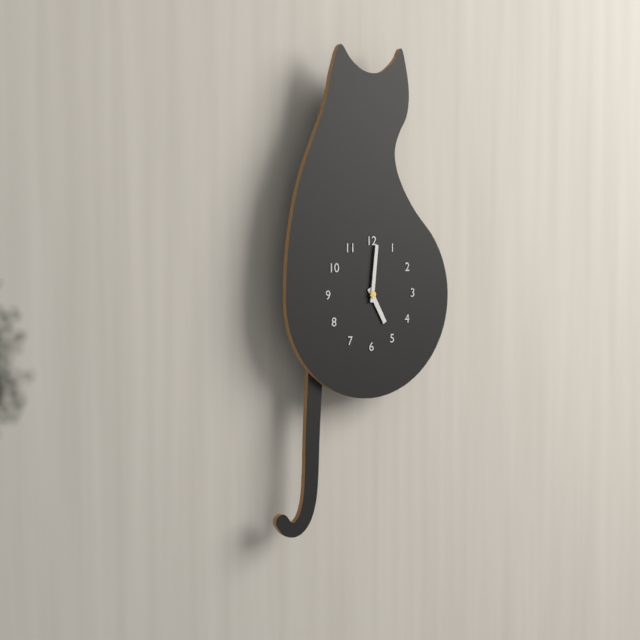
5:01
